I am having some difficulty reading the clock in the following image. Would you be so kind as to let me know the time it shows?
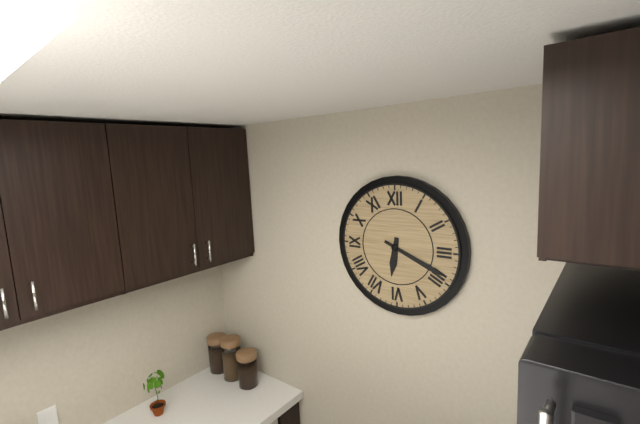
6:19
